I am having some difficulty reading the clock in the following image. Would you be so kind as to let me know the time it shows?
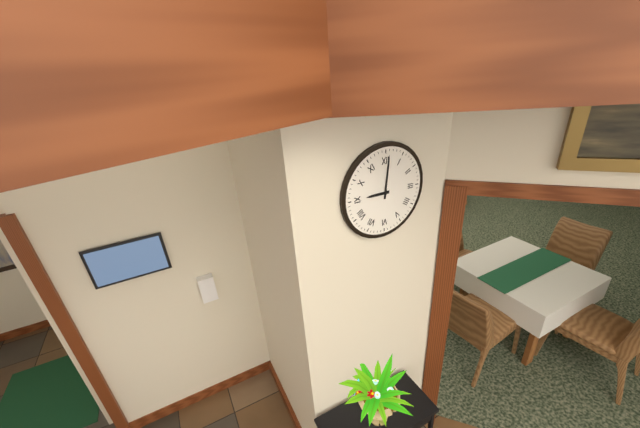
9:01
